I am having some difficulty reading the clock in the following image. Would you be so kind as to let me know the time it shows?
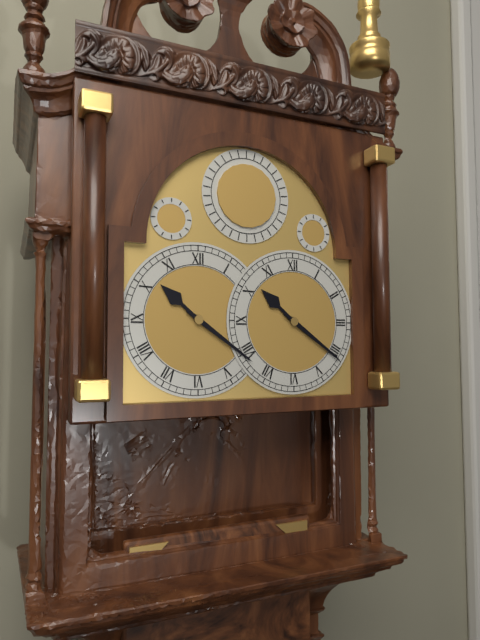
10:21
